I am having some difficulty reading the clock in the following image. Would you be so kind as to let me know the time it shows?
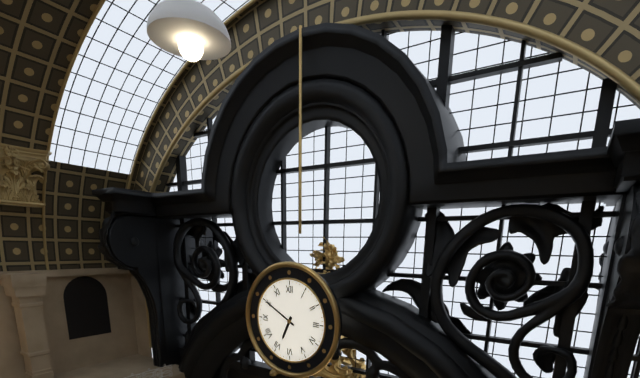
6:50
